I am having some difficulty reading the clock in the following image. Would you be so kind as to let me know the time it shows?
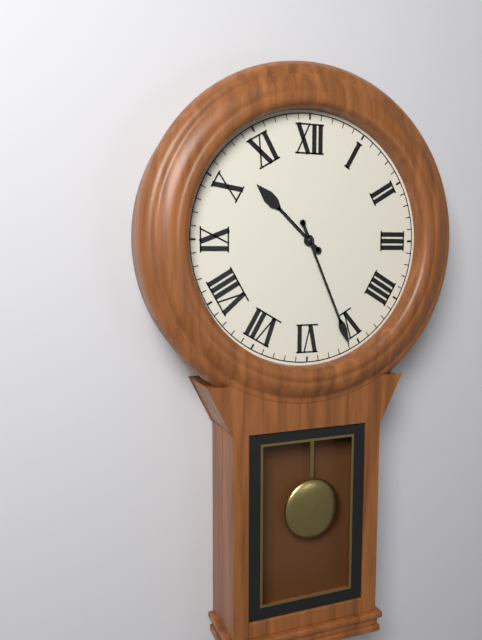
10:26
